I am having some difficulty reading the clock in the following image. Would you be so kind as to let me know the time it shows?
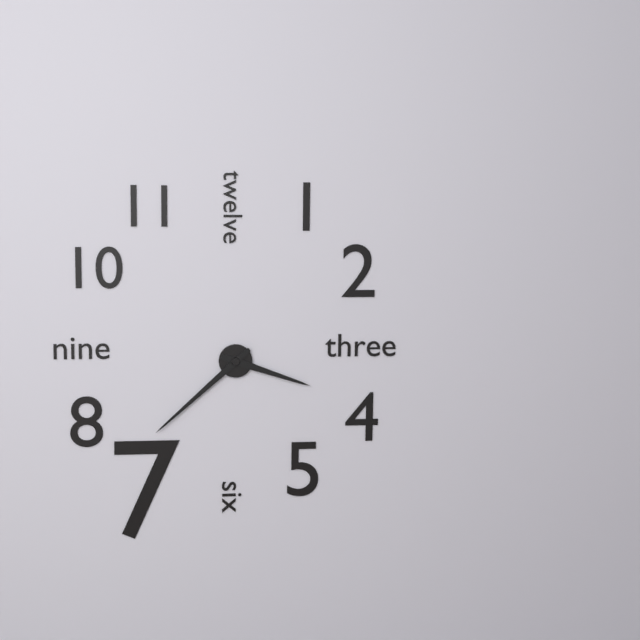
3:38
